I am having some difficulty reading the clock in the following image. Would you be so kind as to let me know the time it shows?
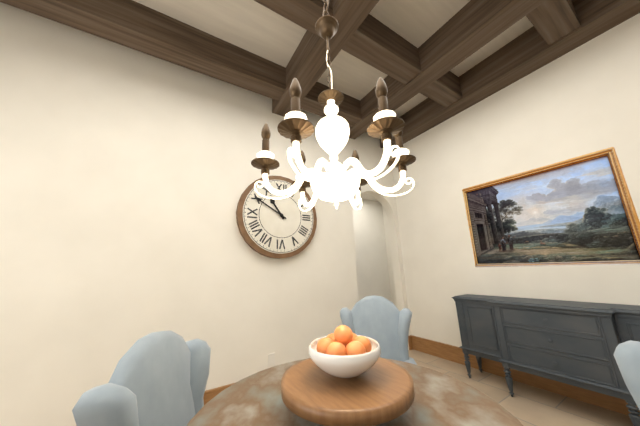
10:50
